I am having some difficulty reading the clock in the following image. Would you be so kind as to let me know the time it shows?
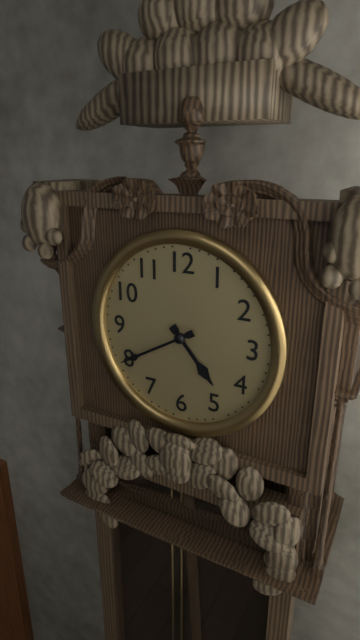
4:40
